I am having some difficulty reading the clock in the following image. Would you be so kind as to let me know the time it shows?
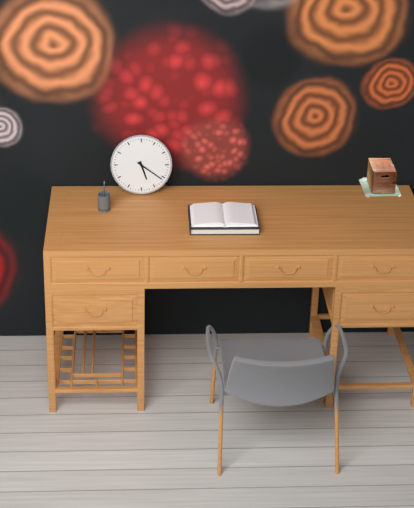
5:21
